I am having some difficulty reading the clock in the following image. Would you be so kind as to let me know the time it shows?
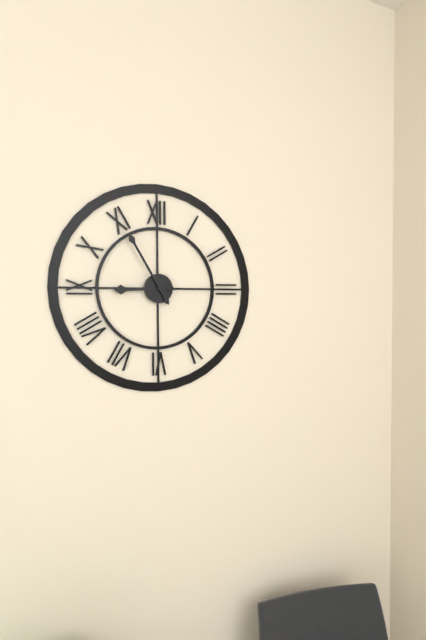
8:55
